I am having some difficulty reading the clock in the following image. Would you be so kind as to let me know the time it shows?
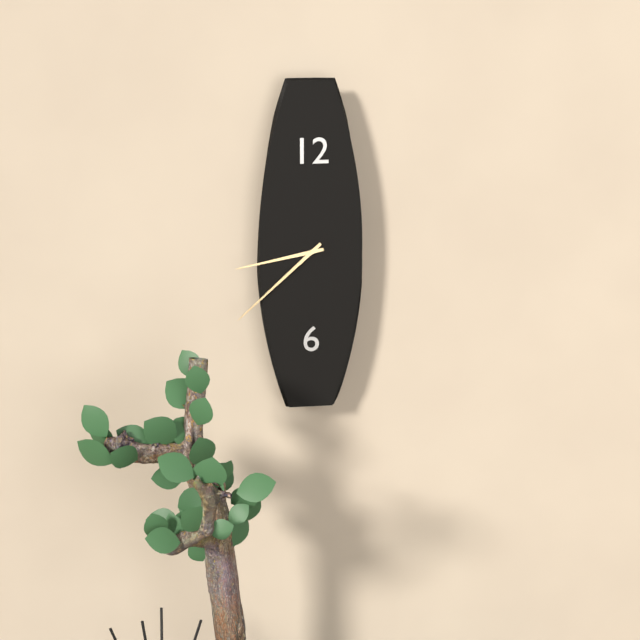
8:38
